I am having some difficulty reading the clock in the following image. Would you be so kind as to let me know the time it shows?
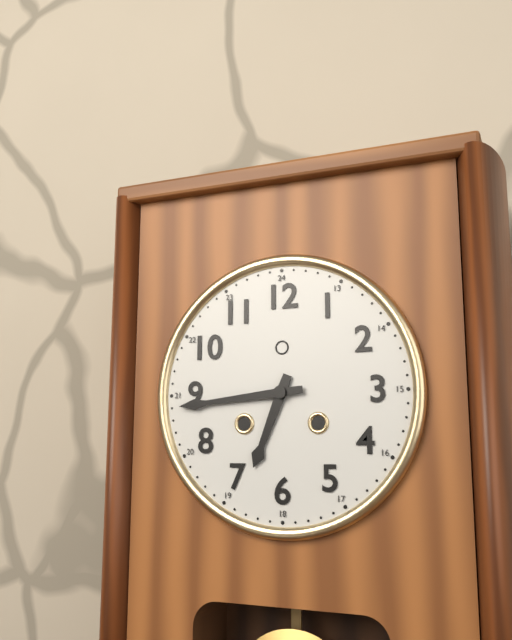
6:44
